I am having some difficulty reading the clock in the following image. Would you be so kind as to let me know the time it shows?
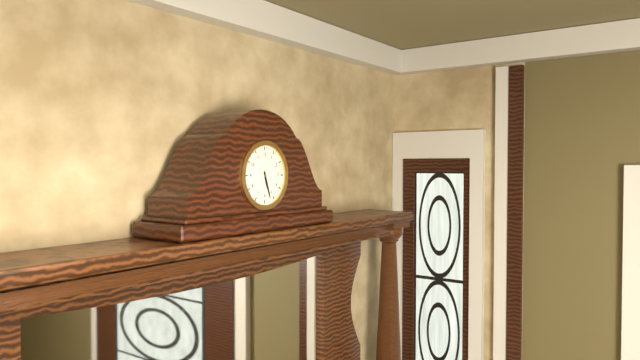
5:27
